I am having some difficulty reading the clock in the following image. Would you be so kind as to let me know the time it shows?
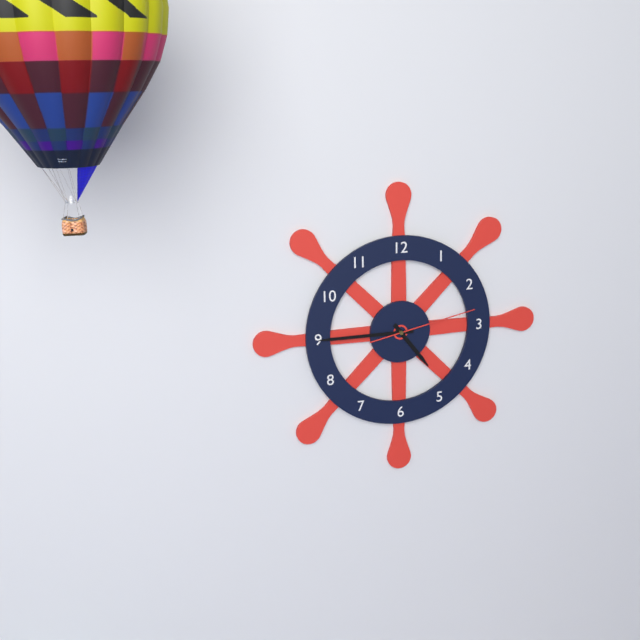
4:45:13
